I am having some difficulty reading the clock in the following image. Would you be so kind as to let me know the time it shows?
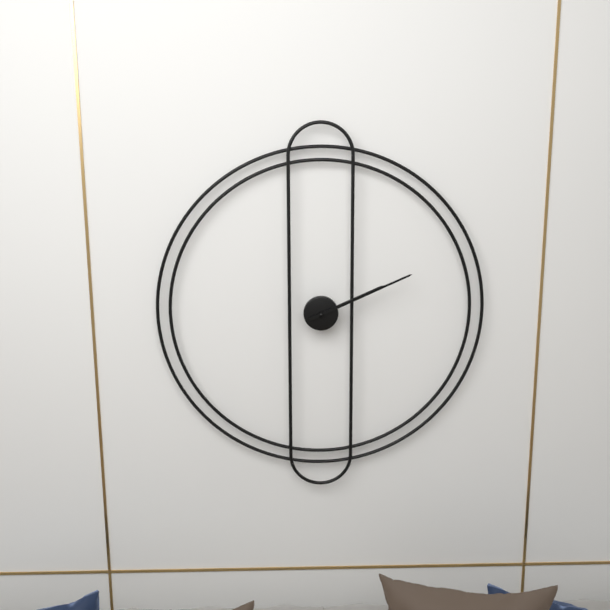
2:11
